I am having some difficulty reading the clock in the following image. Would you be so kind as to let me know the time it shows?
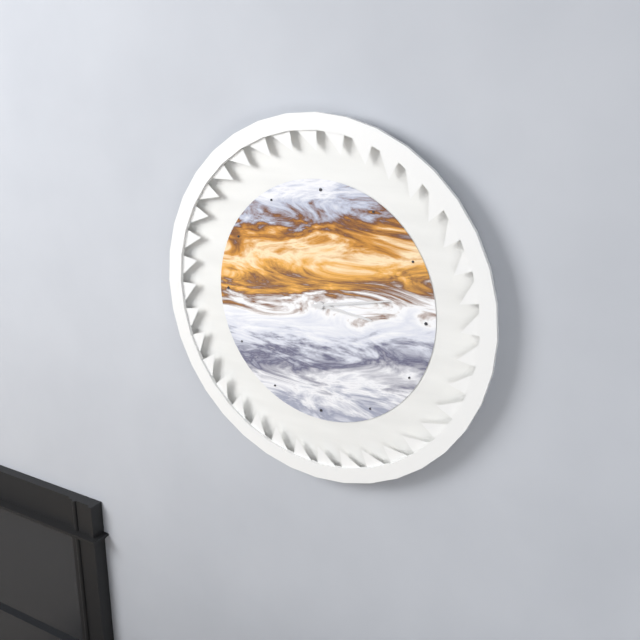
3:13
